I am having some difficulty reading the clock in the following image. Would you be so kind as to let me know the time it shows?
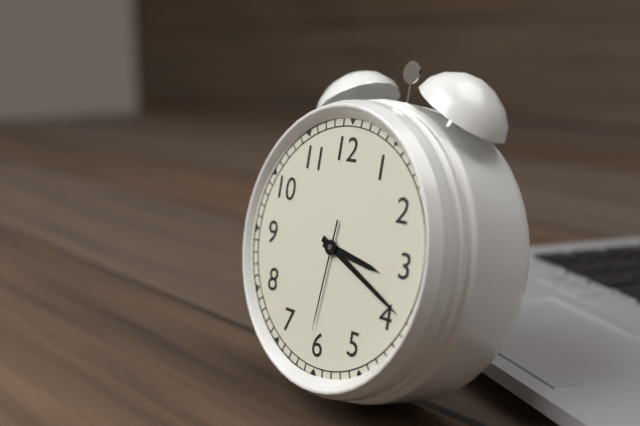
3:19:31
